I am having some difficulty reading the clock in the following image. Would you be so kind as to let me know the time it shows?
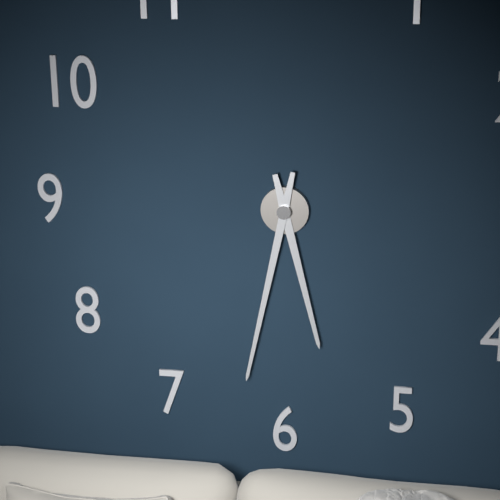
5:32
